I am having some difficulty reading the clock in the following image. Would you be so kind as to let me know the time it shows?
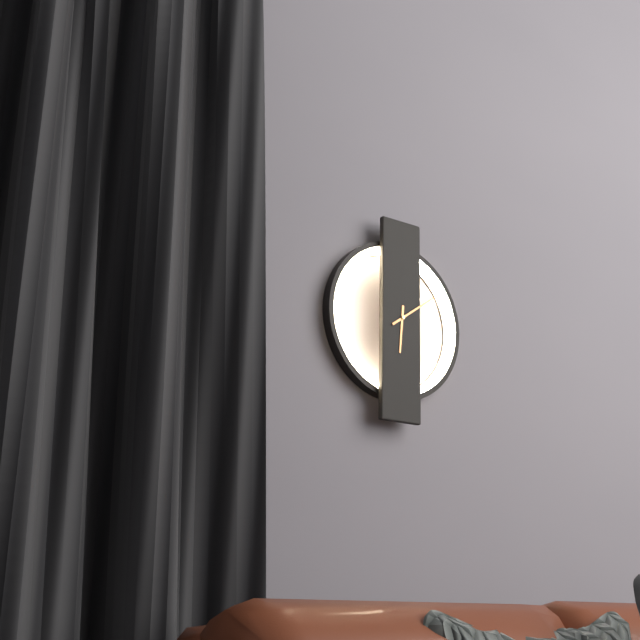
6:09
